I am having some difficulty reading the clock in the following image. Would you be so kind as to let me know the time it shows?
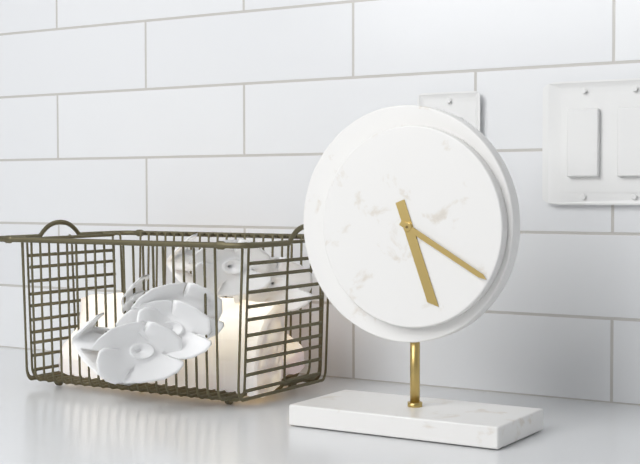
5:20
